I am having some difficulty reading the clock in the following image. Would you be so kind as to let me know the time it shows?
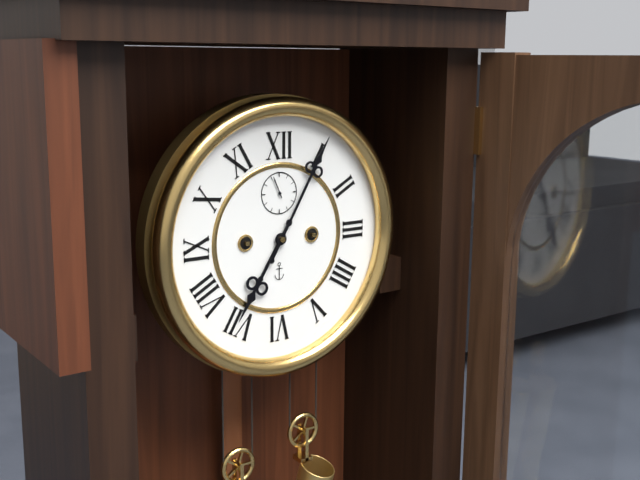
7:05
